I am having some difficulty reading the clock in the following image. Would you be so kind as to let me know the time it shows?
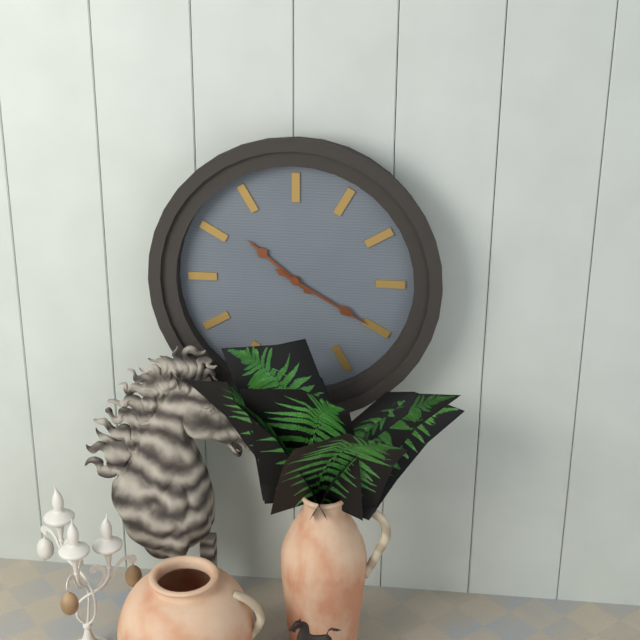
10:20
